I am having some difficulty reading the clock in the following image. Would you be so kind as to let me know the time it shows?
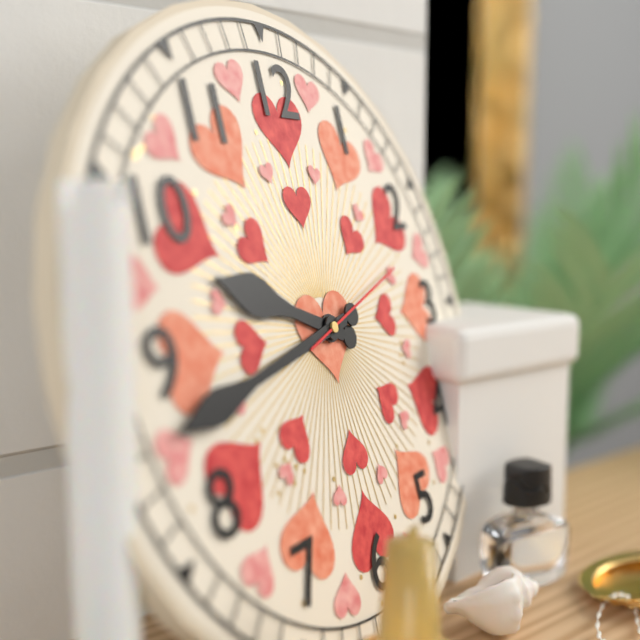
9:43:12
